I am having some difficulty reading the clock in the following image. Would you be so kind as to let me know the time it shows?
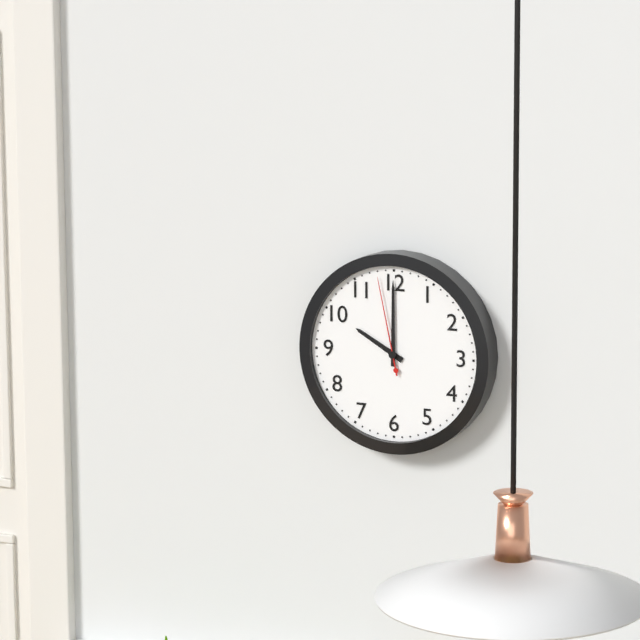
10:00:58
